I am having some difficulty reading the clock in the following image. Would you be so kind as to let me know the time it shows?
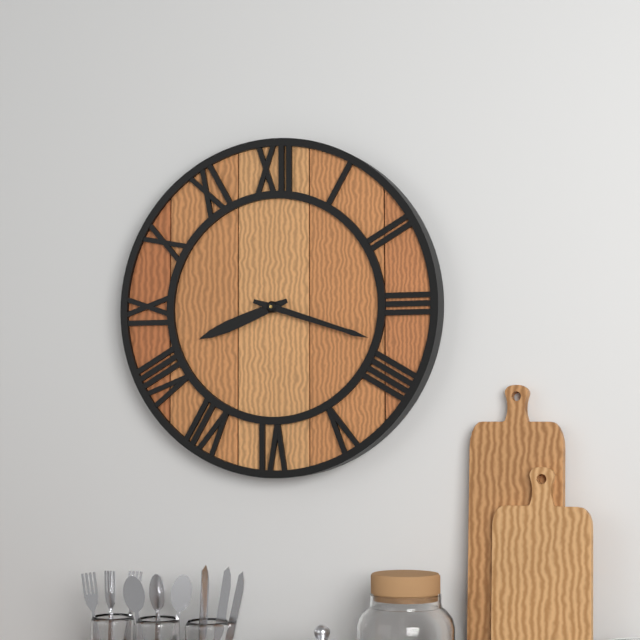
8:18
